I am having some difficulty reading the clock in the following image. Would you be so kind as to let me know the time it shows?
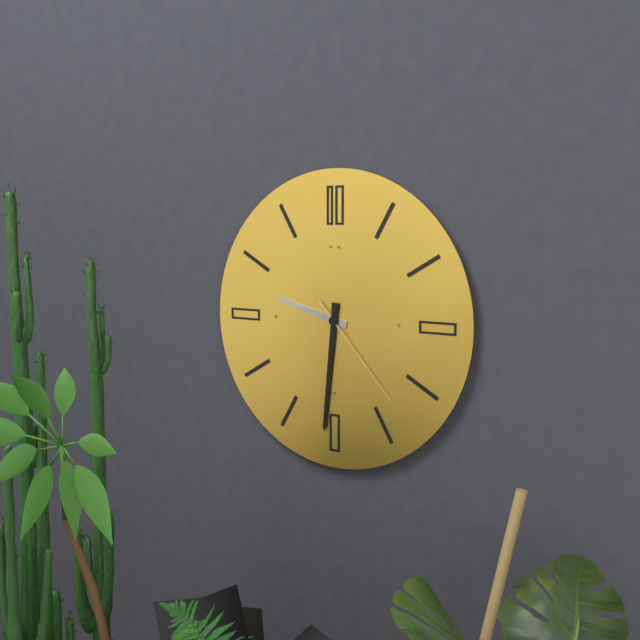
9:31:23
